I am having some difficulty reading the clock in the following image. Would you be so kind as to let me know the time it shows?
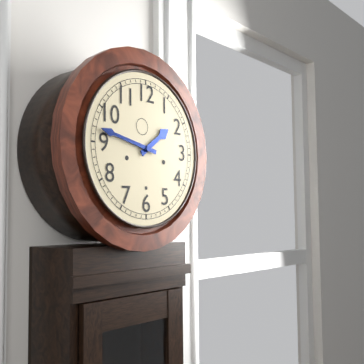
1:47
